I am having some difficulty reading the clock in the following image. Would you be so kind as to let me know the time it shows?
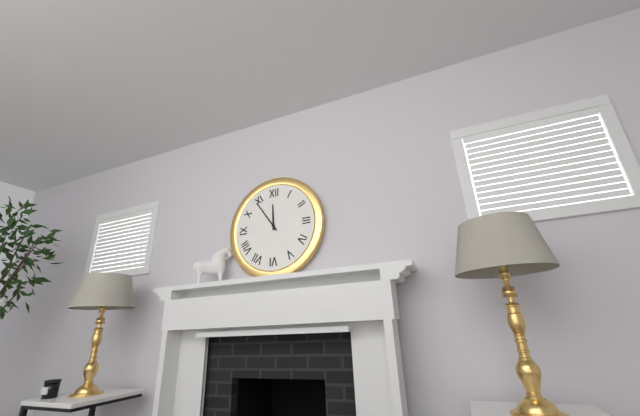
11:54
